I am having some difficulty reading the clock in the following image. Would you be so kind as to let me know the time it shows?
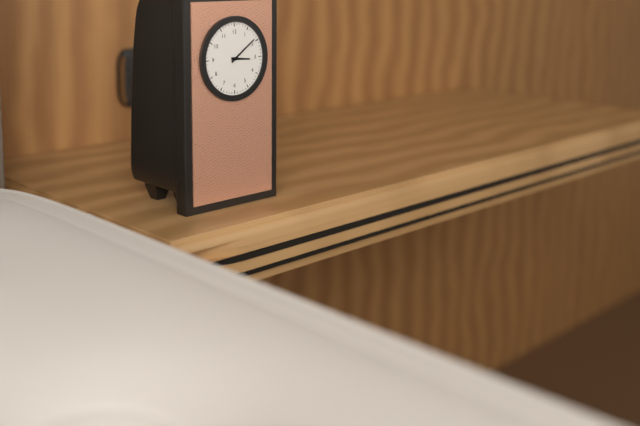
3:09
